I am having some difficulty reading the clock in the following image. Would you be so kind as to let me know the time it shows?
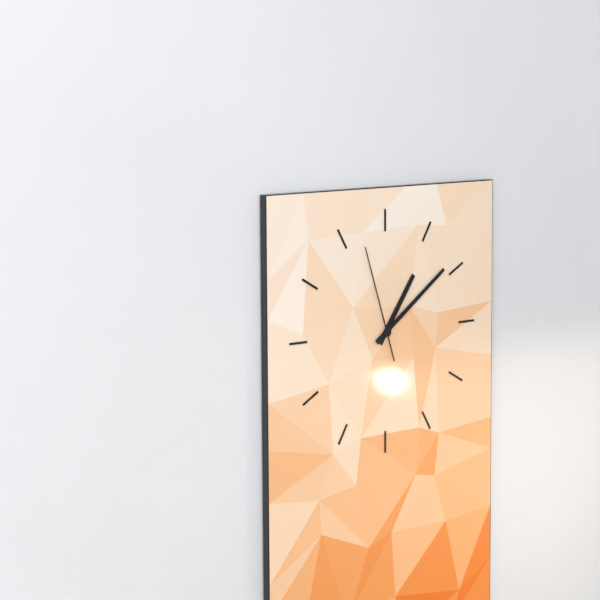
1:09:57
